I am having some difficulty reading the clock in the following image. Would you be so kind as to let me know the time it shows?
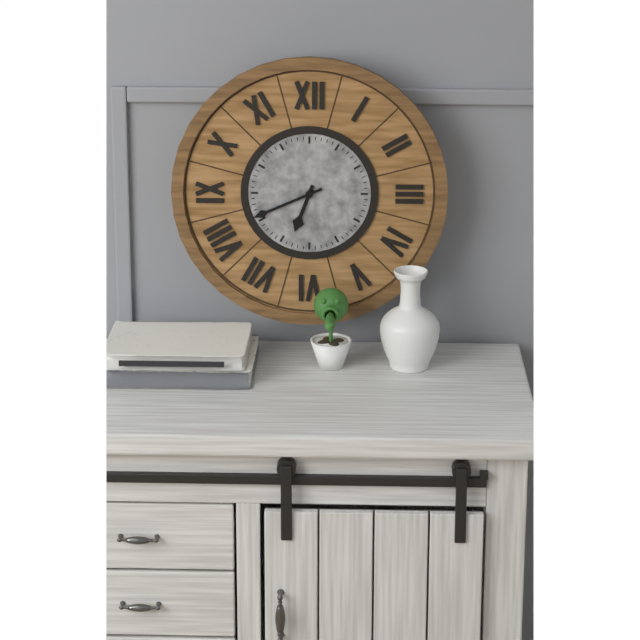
6:41
